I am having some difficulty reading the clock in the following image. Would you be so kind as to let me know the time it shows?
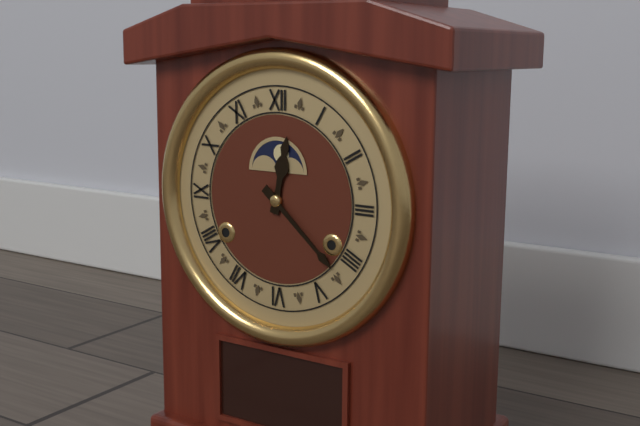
12:22
